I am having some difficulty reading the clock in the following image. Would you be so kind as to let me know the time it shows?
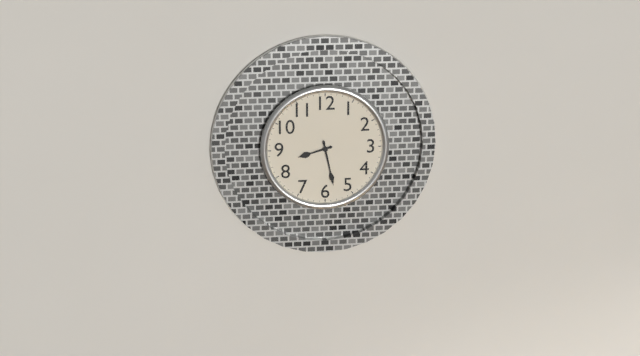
8:28
